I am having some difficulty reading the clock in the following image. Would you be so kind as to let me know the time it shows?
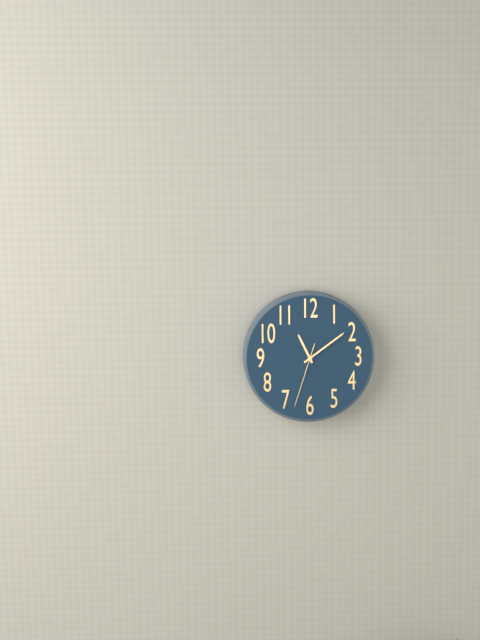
11:09:33
